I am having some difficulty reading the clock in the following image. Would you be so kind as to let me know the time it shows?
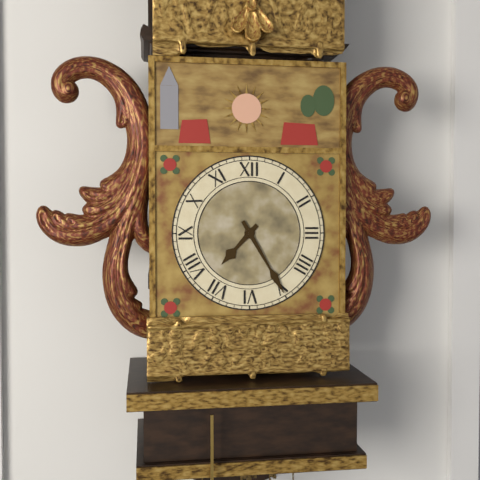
7:25
